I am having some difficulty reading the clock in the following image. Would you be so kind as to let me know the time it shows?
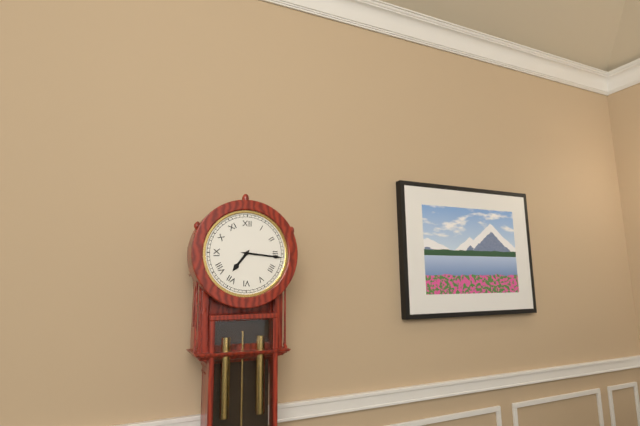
7:16
